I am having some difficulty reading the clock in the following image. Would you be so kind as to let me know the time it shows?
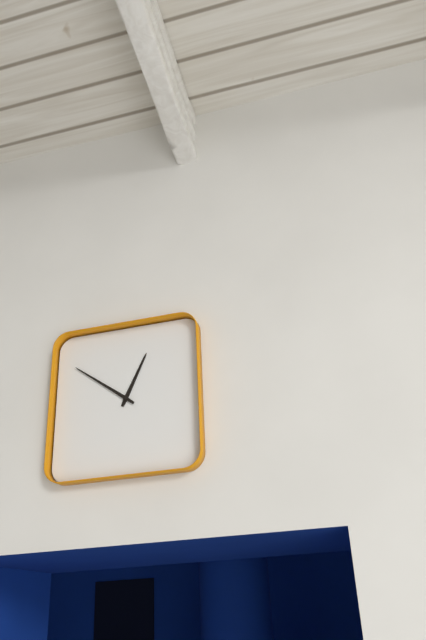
12:51
